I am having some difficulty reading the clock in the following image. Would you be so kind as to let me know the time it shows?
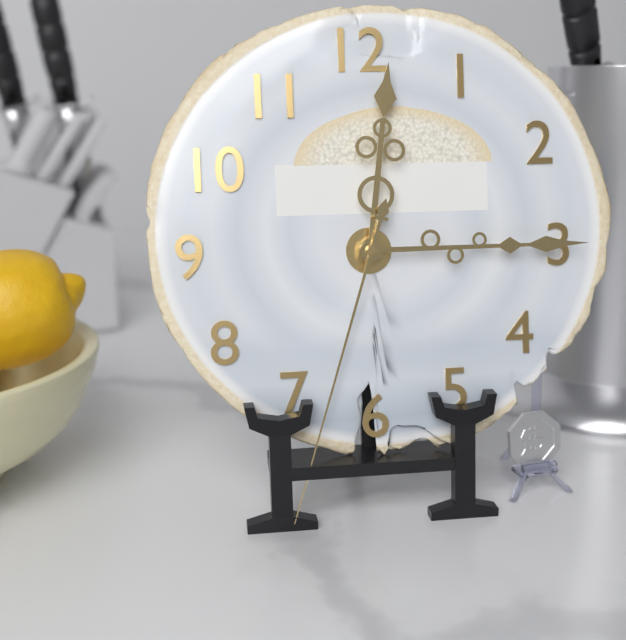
12:15:33
